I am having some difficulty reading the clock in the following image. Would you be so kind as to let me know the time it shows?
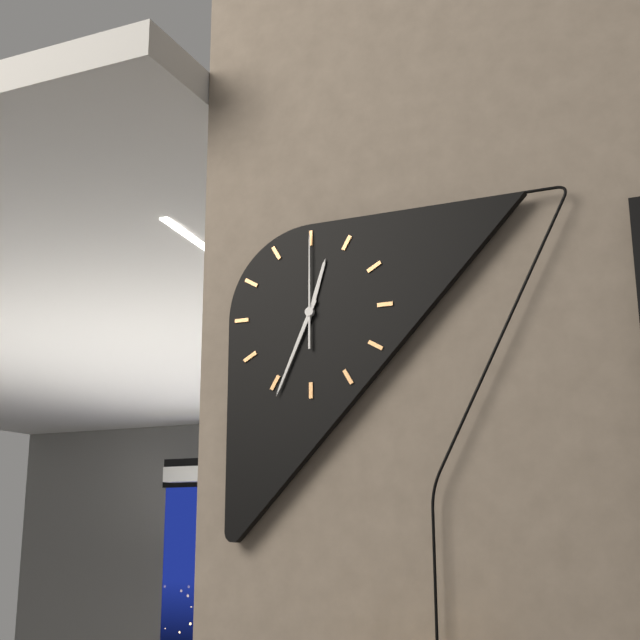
12:34:00
